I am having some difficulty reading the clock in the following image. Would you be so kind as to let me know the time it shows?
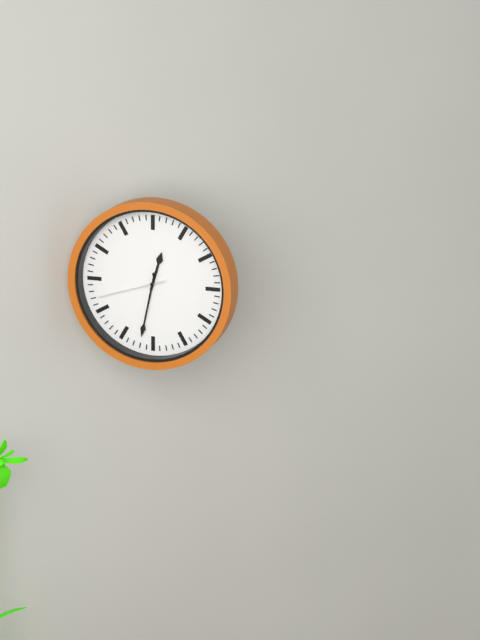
12:32:42
